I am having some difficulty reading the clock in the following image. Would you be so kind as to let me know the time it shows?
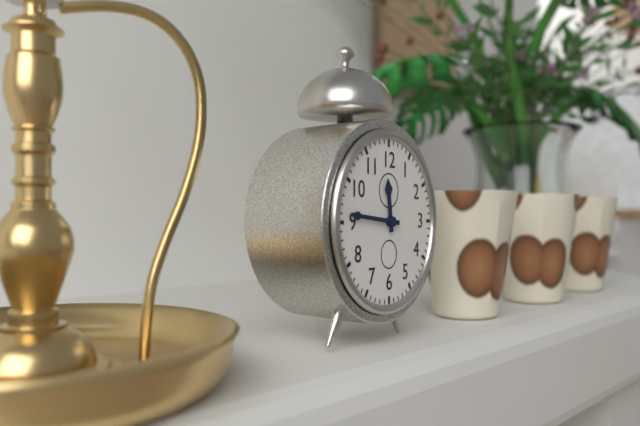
11:46
